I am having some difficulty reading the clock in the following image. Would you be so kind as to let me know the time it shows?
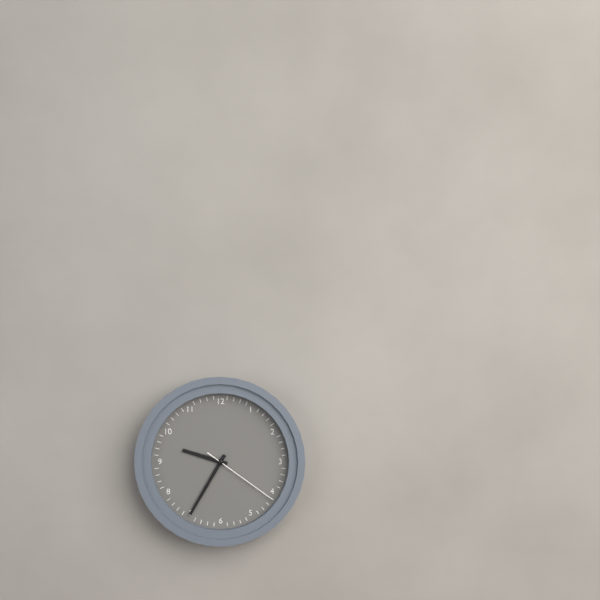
9:35:21
